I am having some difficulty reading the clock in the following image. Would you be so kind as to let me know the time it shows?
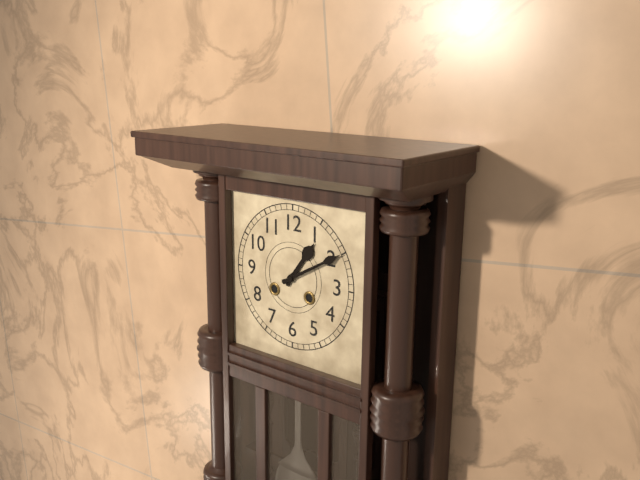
1:10
